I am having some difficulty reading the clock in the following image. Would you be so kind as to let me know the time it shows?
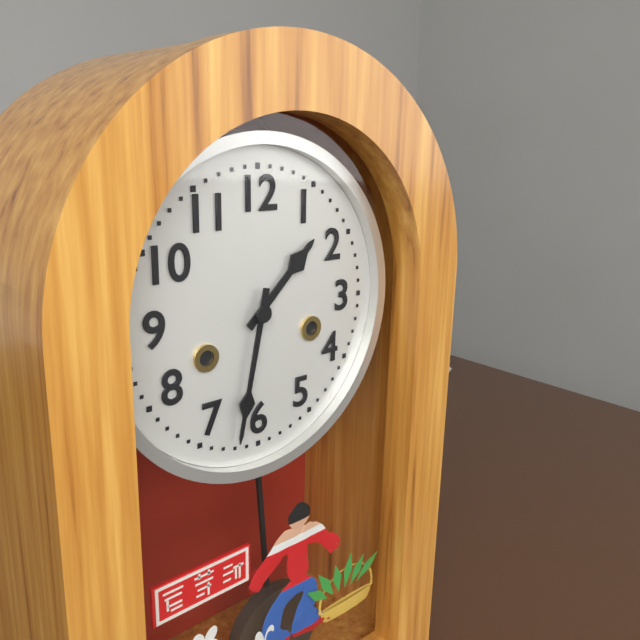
1:32
